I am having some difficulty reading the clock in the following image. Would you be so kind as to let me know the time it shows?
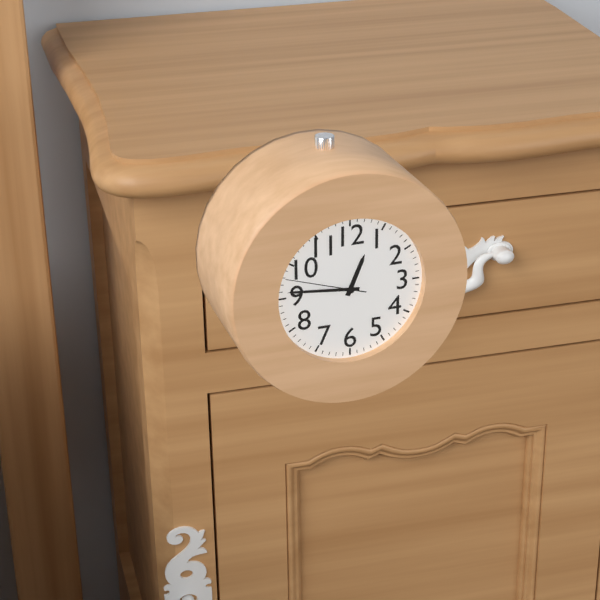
12:46:48
